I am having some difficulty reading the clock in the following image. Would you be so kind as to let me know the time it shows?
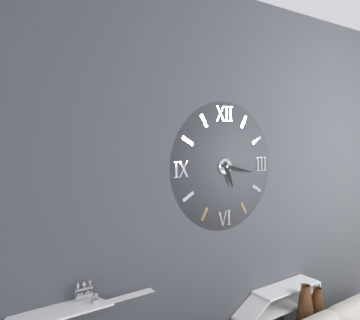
5:17
